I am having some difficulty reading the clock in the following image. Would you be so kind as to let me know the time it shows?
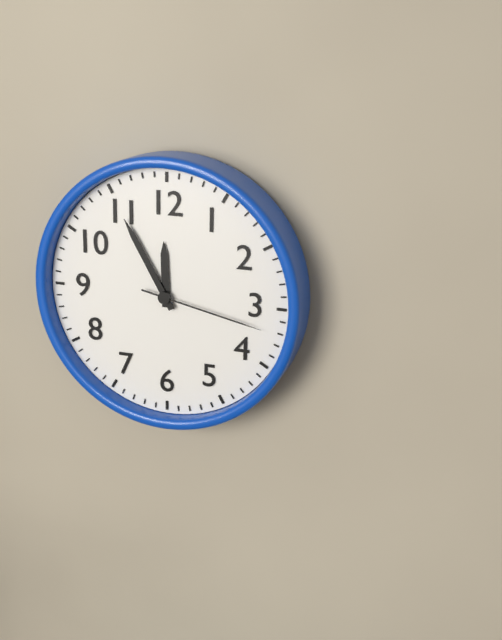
11:55:17
